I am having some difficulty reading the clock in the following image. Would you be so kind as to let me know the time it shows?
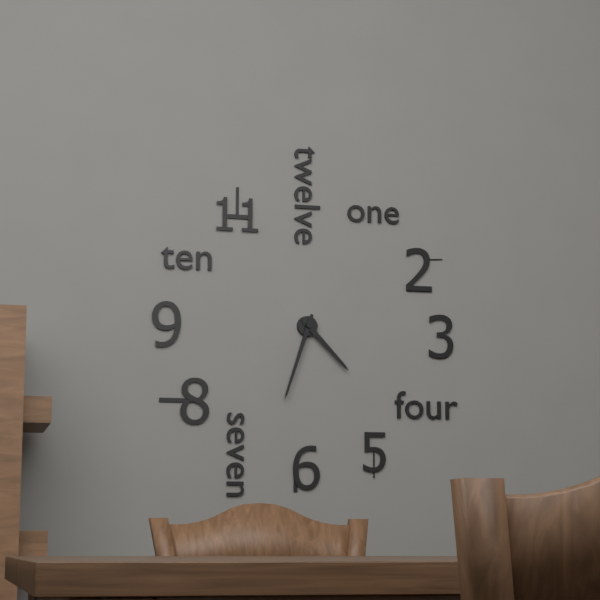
4:33
